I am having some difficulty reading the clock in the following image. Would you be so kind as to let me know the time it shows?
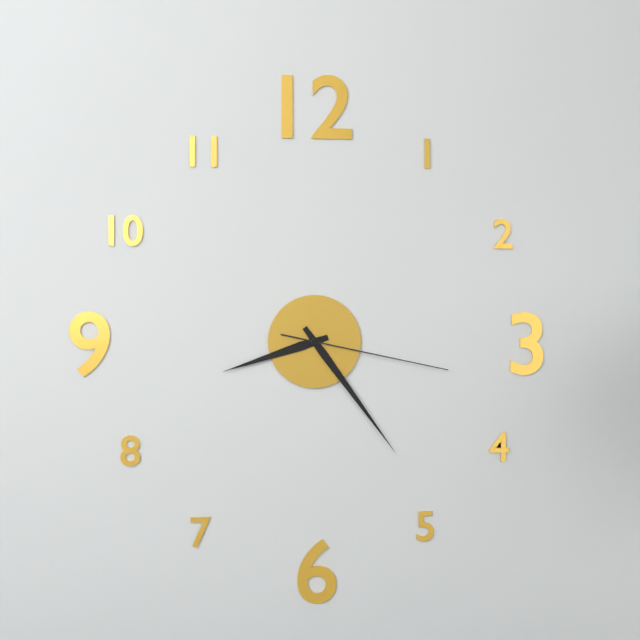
8:24:17
